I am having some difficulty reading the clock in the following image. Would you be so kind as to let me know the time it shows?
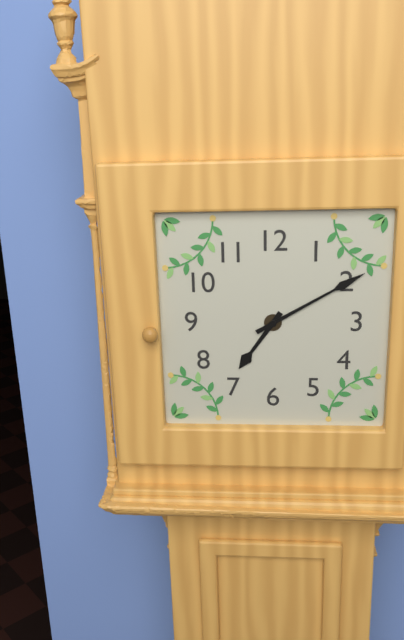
7:10
